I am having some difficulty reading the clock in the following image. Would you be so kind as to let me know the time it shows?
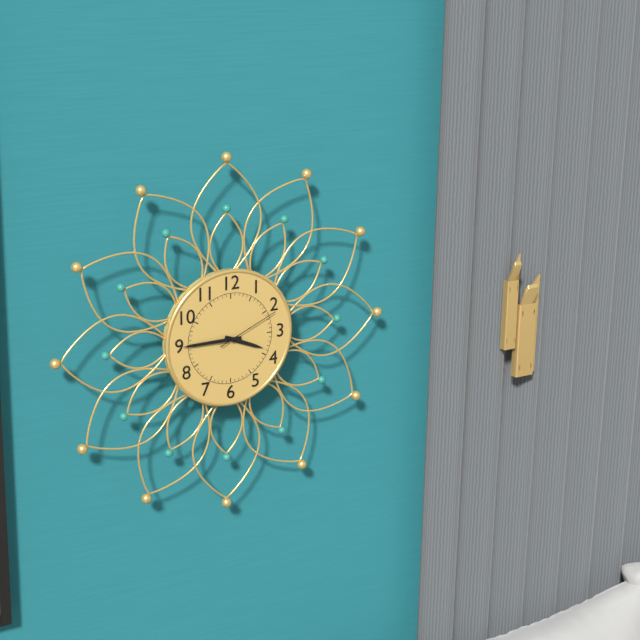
3:45:11
